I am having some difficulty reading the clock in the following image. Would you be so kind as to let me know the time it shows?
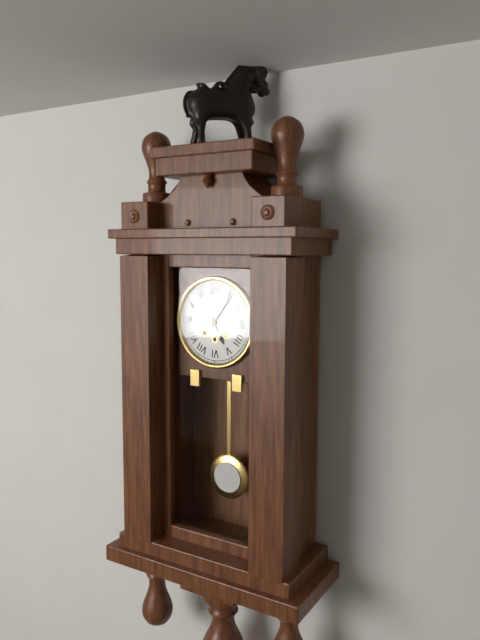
5:06
